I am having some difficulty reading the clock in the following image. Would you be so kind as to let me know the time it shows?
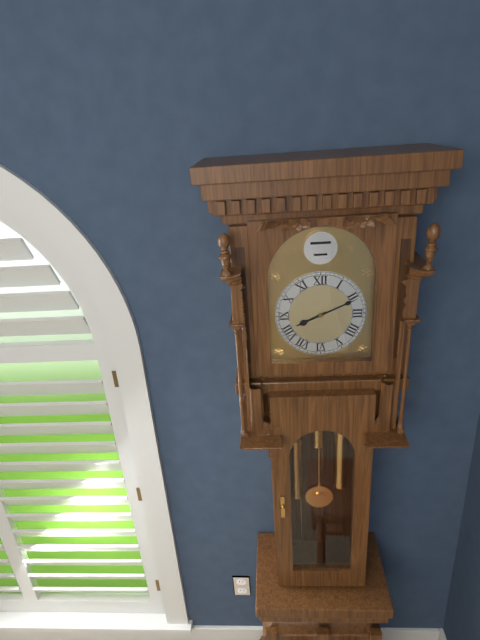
8:11
